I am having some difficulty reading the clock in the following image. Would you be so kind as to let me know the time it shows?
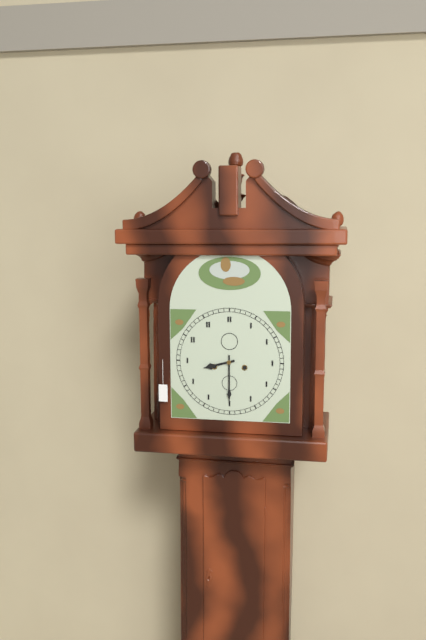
8:30
